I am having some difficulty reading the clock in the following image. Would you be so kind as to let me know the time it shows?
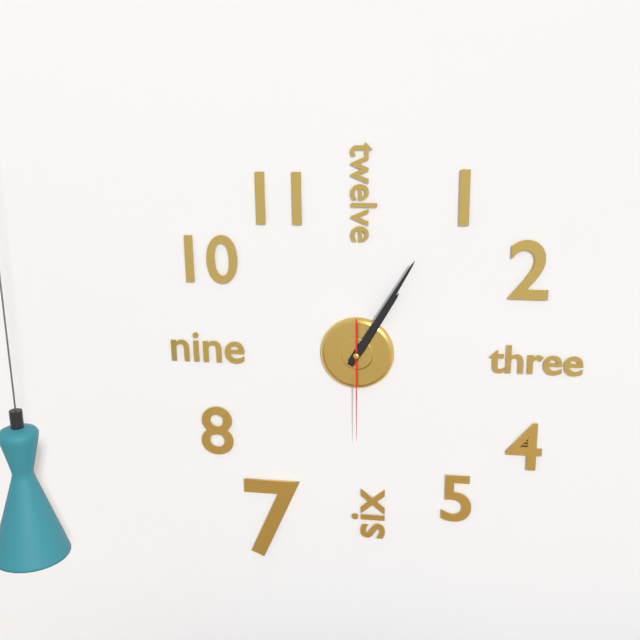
1:05:30
